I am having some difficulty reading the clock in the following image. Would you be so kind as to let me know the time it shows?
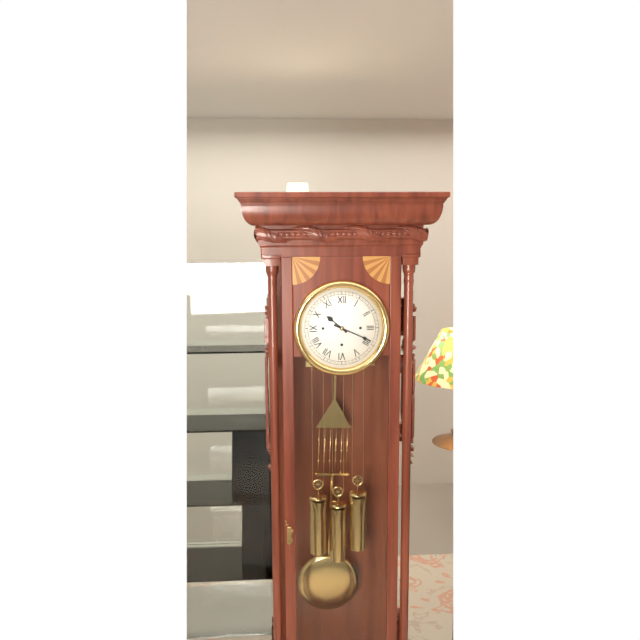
10:19
